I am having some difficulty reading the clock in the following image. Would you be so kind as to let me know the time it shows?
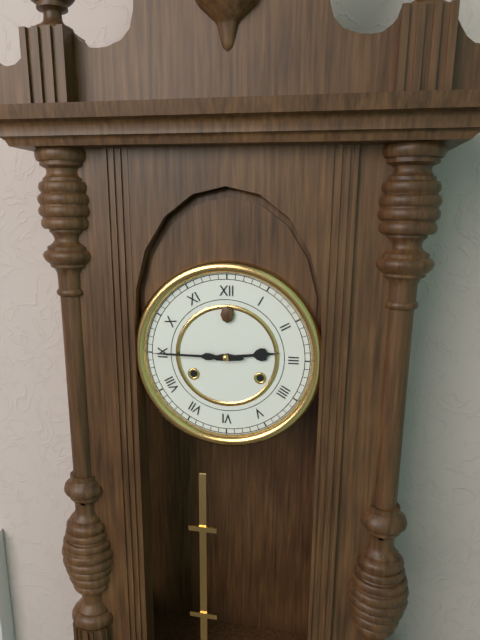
2:45
